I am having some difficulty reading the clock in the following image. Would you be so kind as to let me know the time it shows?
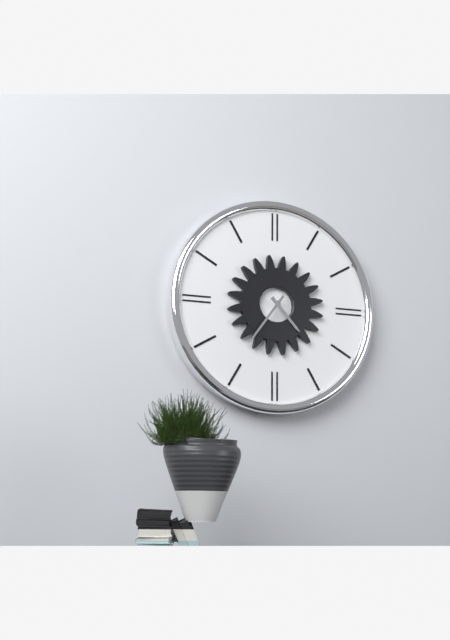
4:36
